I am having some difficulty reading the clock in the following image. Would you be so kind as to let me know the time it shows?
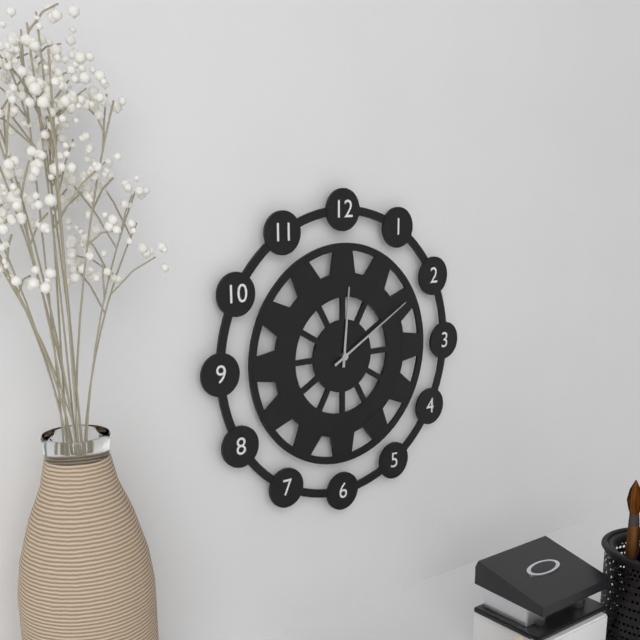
12:10
